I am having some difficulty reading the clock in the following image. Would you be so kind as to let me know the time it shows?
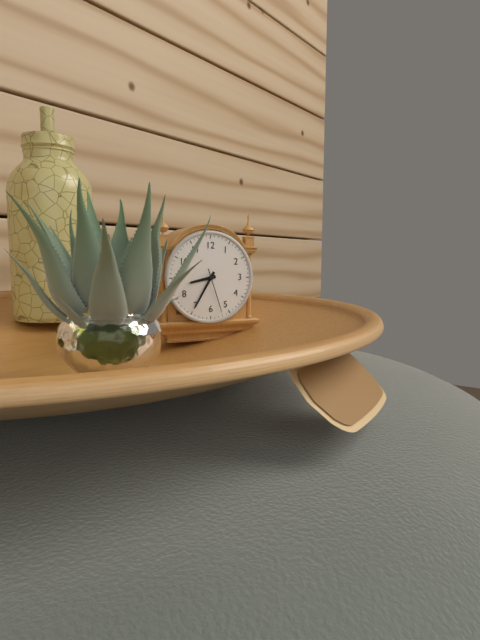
8:35
